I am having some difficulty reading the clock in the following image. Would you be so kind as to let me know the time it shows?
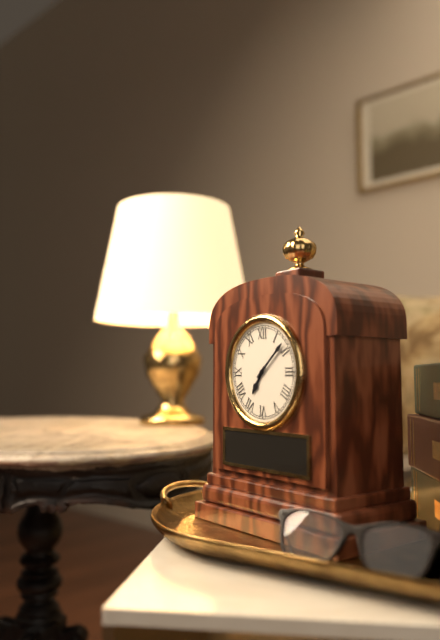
7:08
